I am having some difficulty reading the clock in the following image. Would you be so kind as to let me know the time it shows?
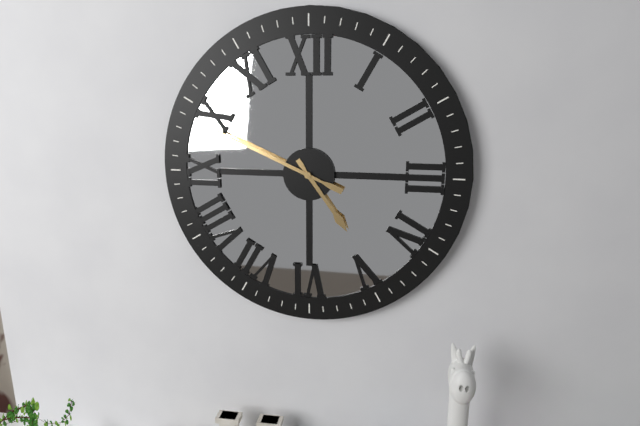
4:49
